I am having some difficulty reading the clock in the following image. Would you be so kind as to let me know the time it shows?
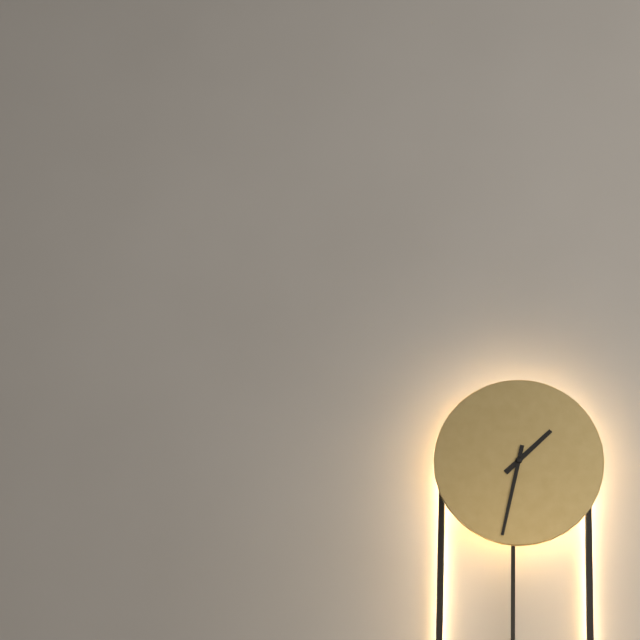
1:32
